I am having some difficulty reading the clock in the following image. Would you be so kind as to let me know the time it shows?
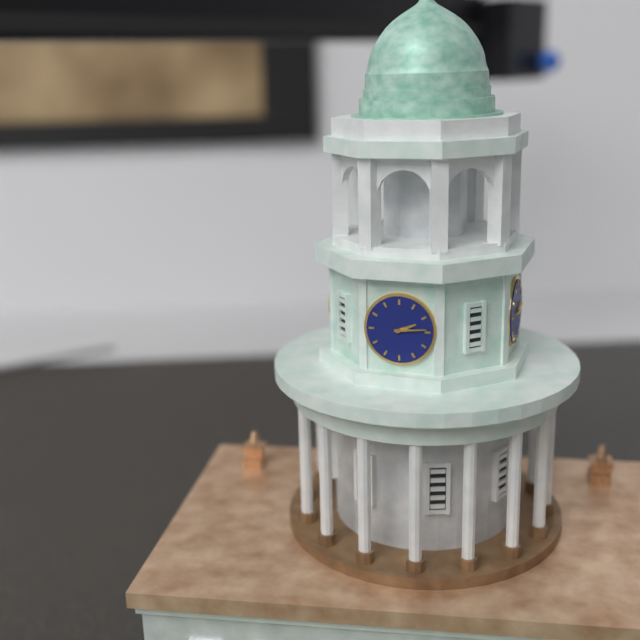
2:14
